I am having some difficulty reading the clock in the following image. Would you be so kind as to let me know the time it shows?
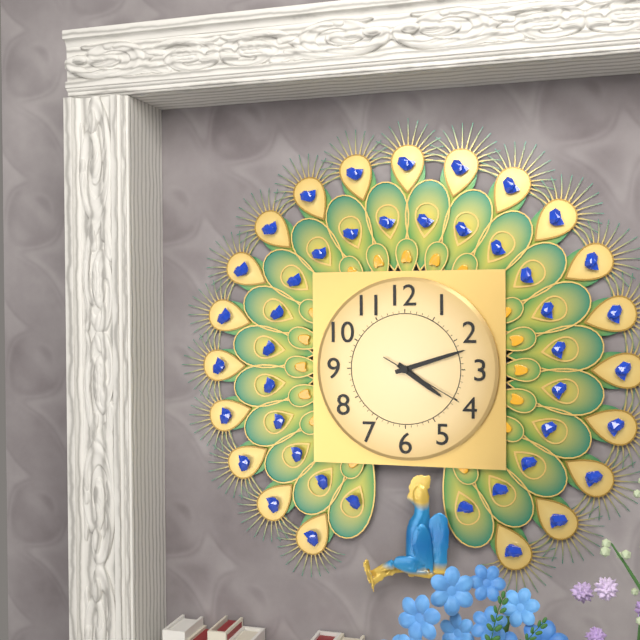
4:12:20
